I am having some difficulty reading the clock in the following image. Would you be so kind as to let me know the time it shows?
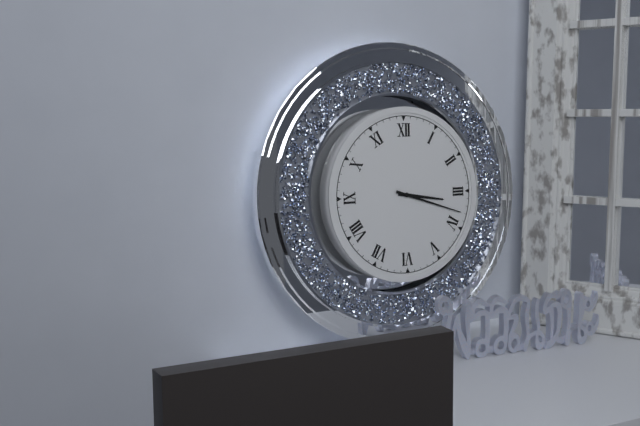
3:18
